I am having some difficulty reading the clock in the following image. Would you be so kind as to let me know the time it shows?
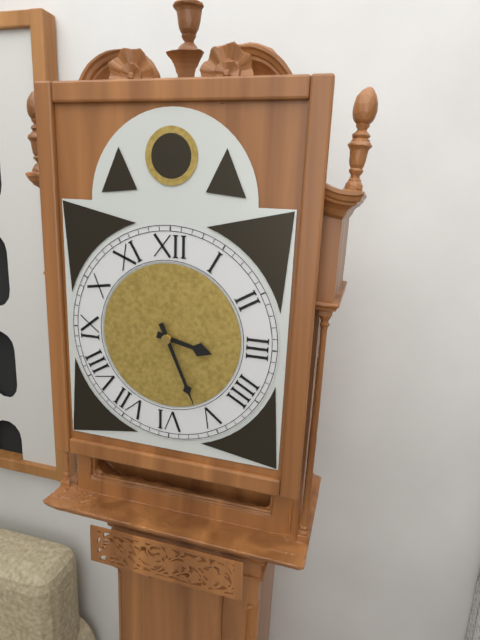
3:26
